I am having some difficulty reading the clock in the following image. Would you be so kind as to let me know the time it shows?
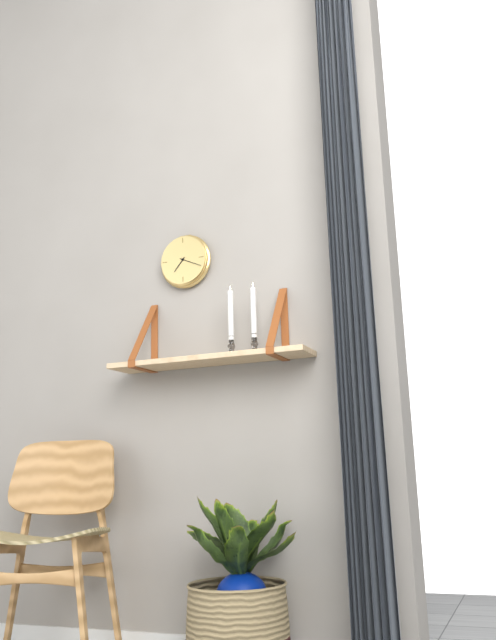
7:19
